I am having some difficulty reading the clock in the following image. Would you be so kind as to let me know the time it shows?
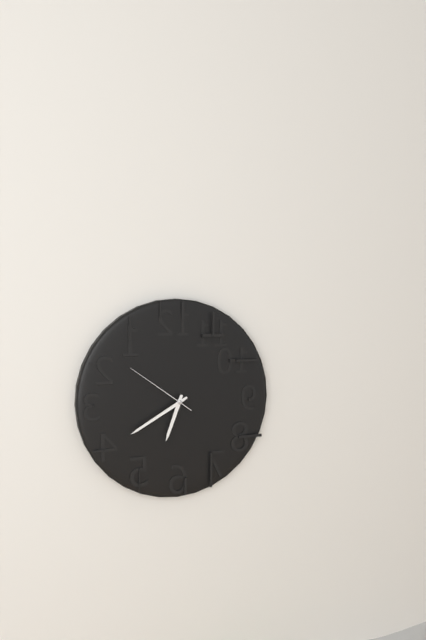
6:40:51
